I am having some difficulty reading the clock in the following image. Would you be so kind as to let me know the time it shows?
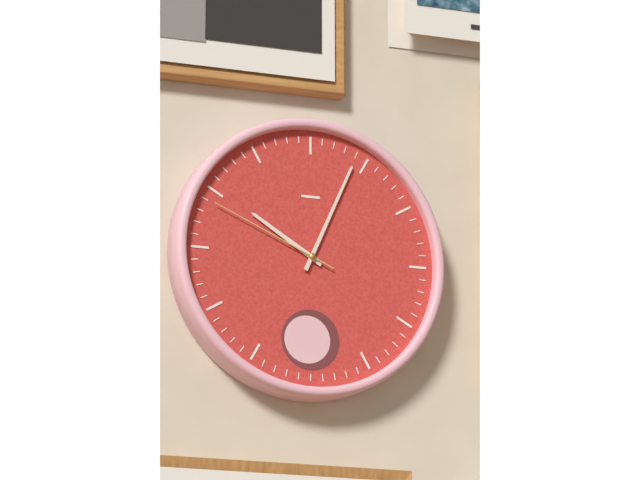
10:04:49
